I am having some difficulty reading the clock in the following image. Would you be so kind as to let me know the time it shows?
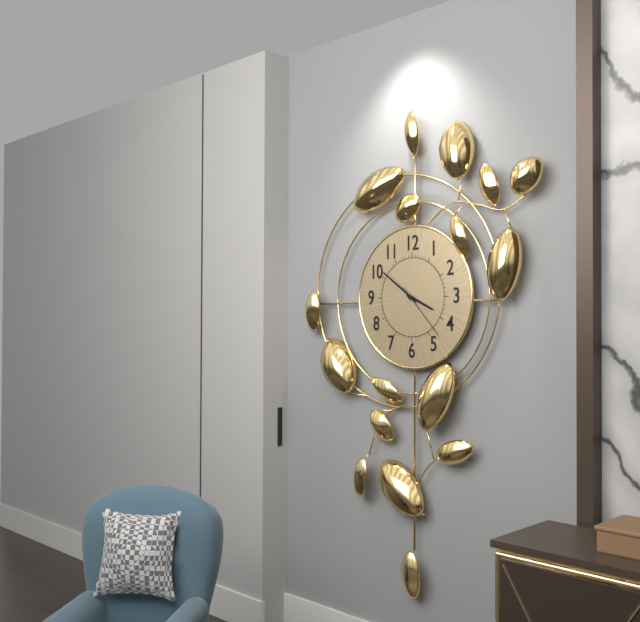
3:51:23
